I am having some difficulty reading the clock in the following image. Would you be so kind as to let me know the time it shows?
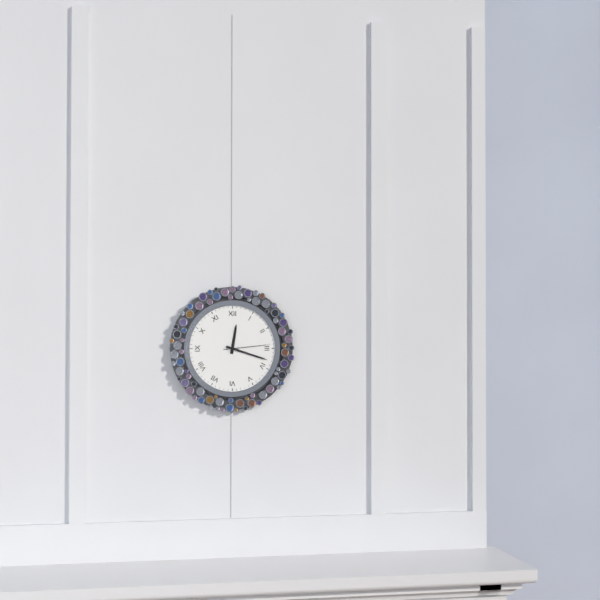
12:18
